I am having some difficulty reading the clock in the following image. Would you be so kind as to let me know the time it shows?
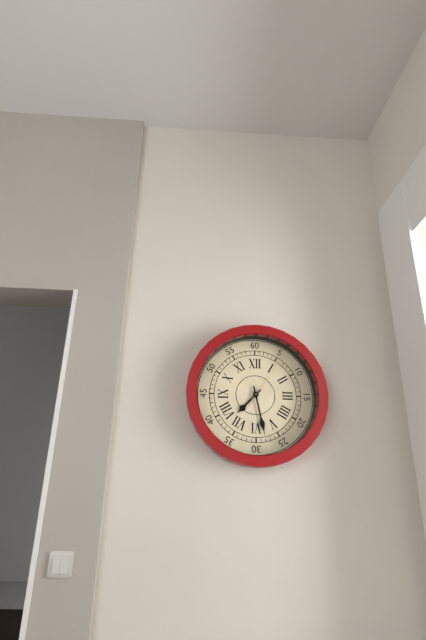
7:28:06
